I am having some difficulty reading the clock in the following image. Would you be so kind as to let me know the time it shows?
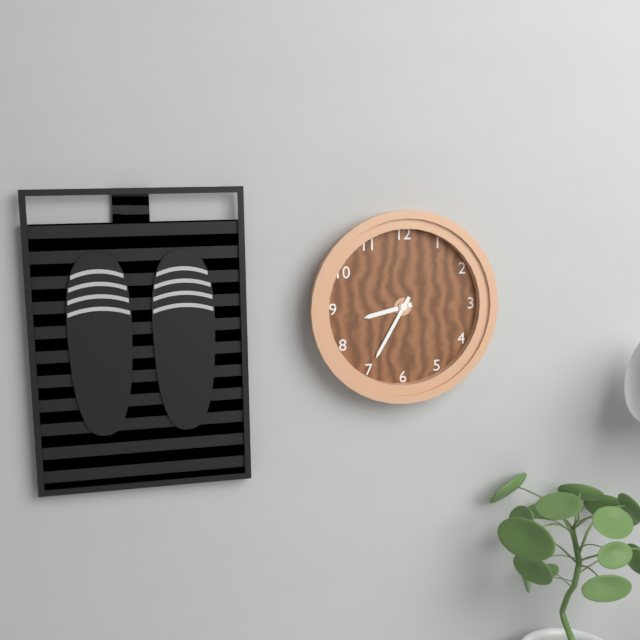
8:35
